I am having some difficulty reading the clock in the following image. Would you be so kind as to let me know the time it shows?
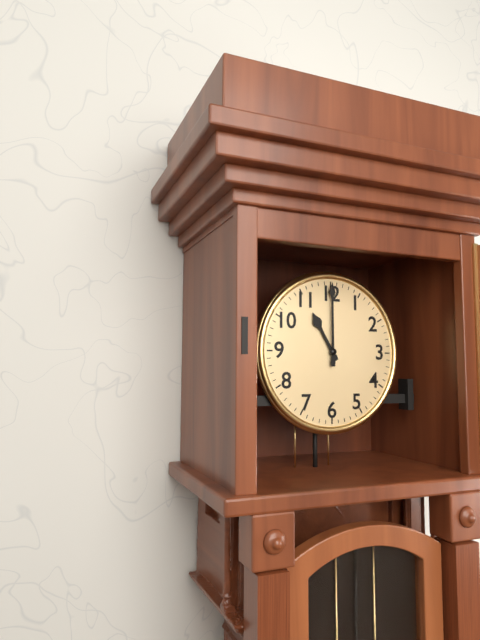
11:00
